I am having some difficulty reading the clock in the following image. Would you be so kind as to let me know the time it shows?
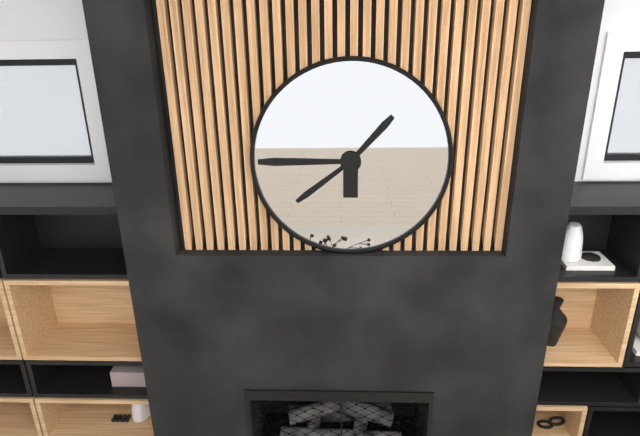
7:45:07
